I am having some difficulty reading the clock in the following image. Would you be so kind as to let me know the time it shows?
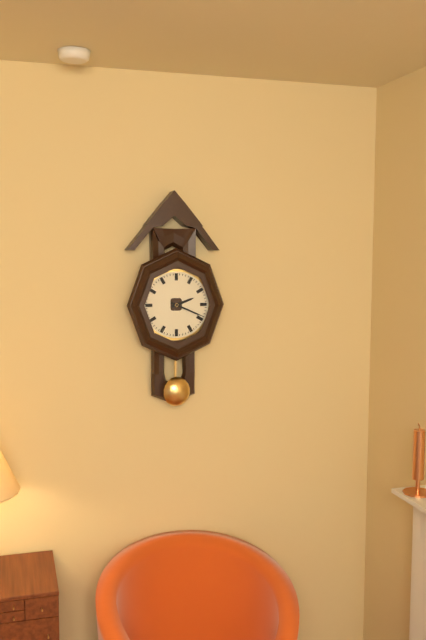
2:19
